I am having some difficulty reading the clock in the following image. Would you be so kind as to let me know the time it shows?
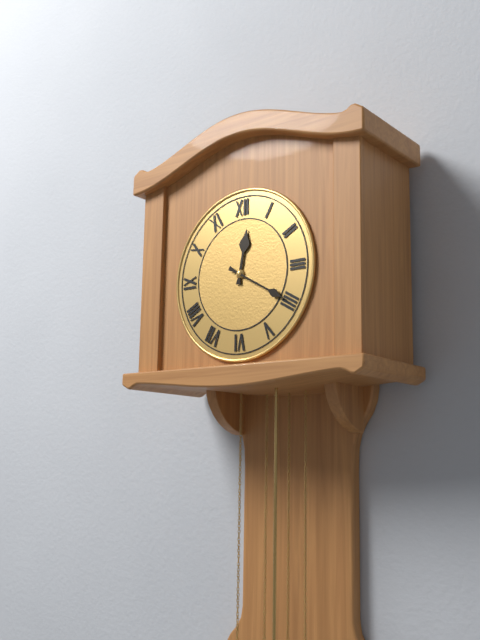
12:20
